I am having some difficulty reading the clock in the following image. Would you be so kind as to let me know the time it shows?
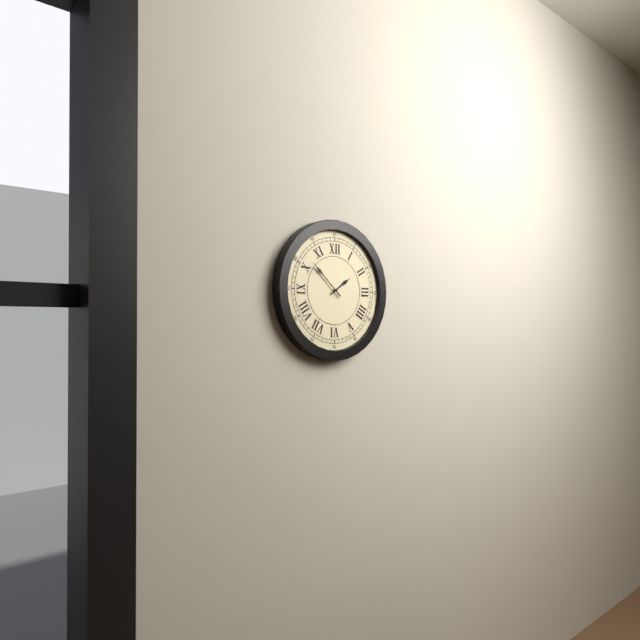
1:52
